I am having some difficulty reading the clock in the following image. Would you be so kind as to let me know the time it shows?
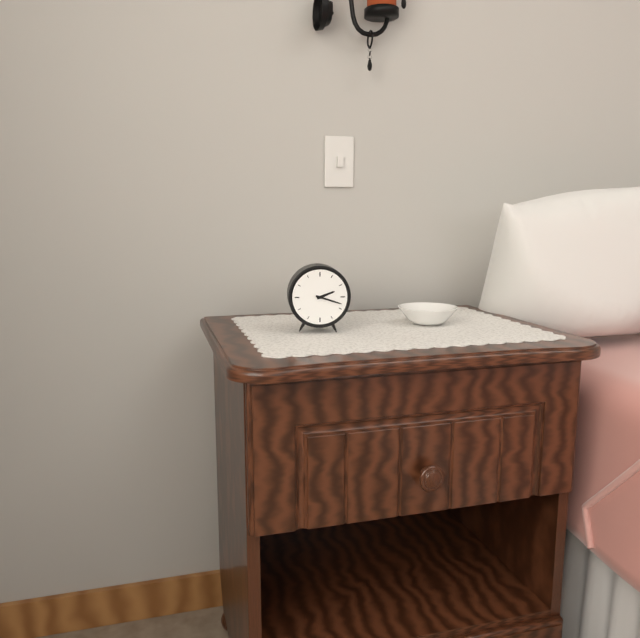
2:18
